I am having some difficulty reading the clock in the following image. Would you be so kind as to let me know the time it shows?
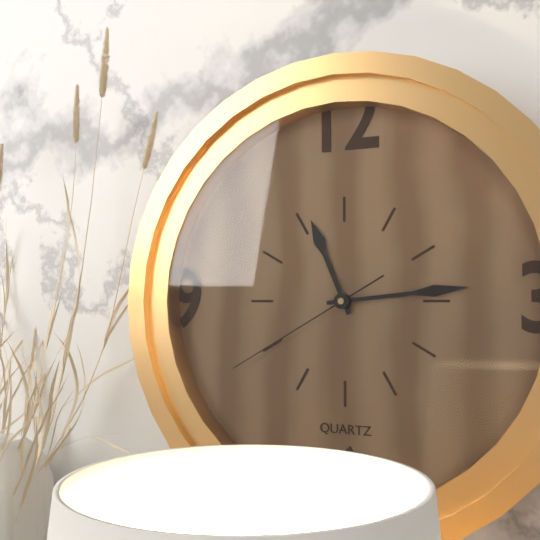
11:14:40
